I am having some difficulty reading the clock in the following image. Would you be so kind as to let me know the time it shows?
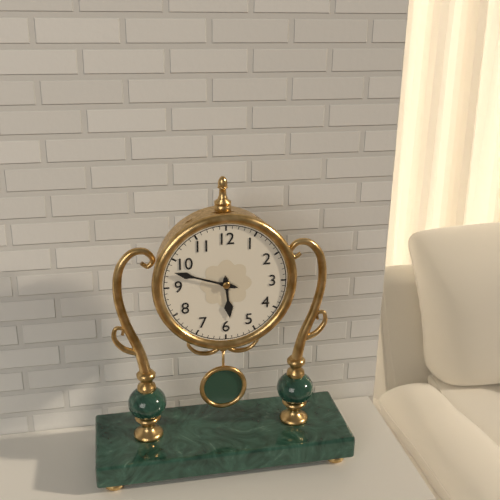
5:48
